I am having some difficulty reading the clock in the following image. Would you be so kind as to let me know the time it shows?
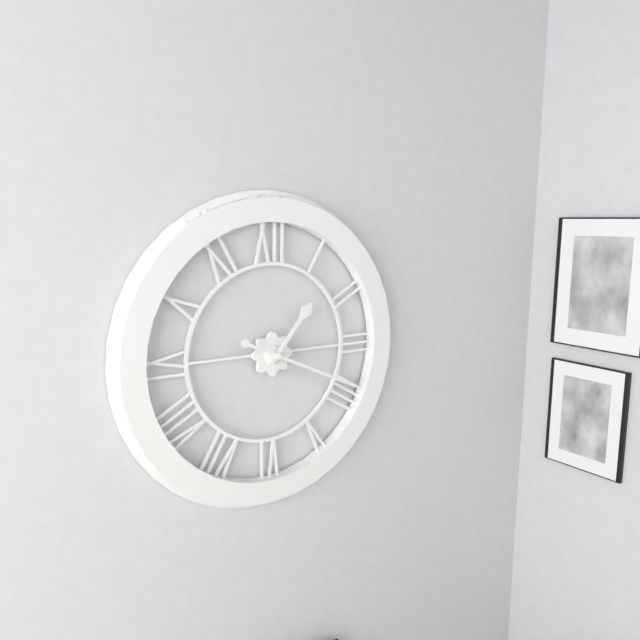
1:19
